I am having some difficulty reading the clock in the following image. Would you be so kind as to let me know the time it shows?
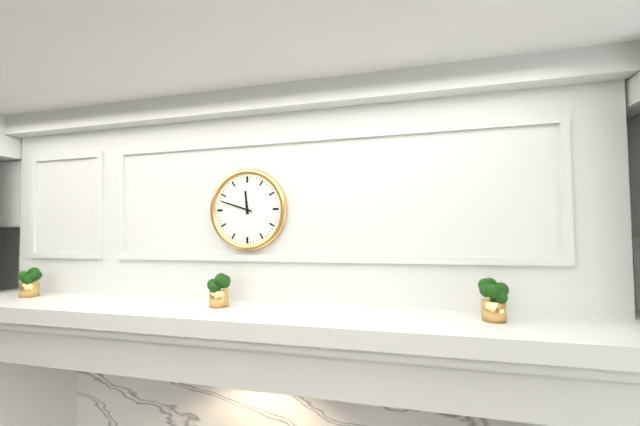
11:48
